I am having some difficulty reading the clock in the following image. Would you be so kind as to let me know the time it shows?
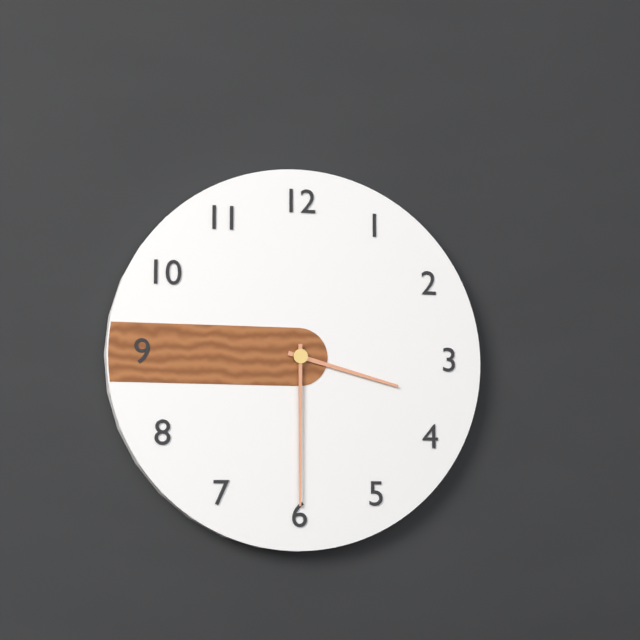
3:30
